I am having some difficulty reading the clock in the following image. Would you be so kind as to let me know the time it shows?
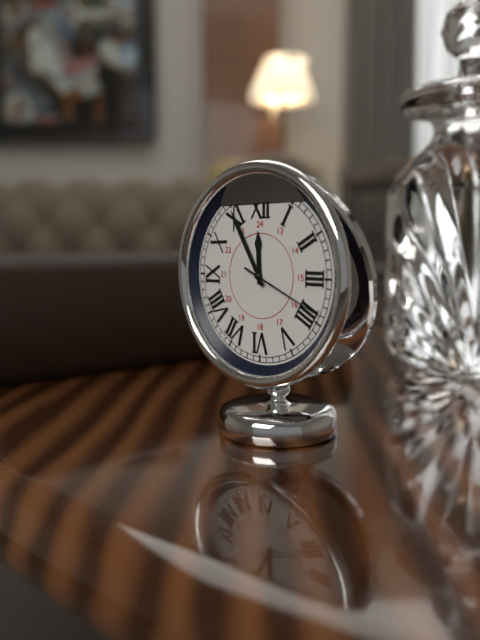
11:55:19
